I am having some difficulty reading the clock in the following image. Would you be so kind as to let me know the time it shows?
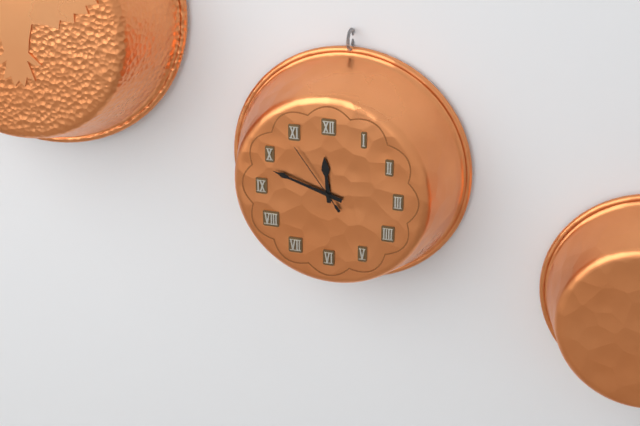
11:48:54
